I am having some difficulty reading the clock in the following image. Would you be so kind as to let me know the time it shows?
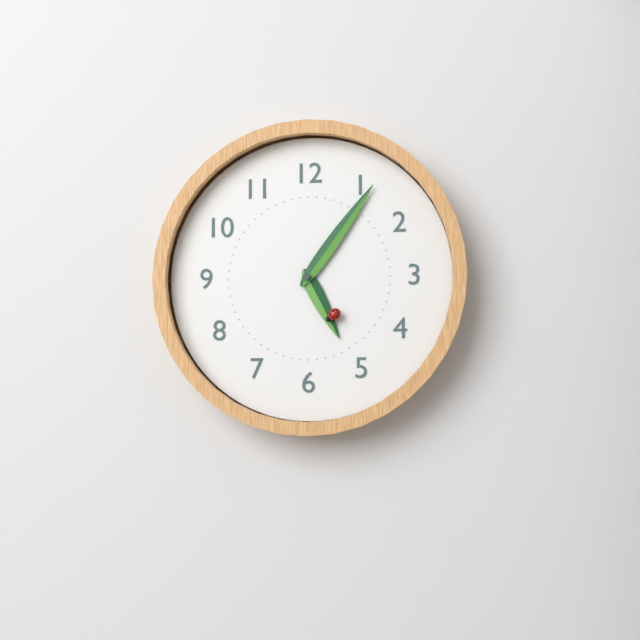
5:06:24
